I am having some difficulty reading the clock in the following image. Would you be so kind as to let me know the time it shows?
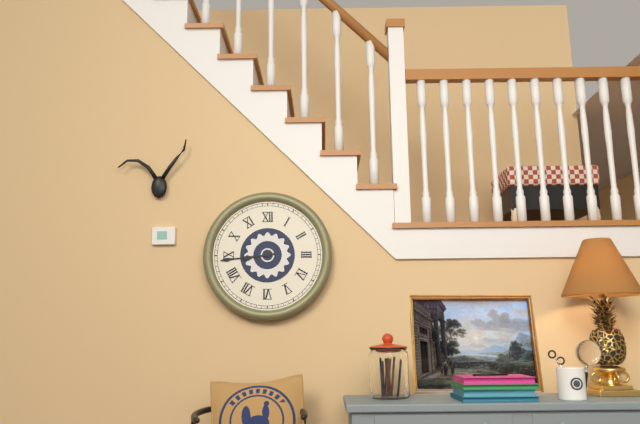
8:44
